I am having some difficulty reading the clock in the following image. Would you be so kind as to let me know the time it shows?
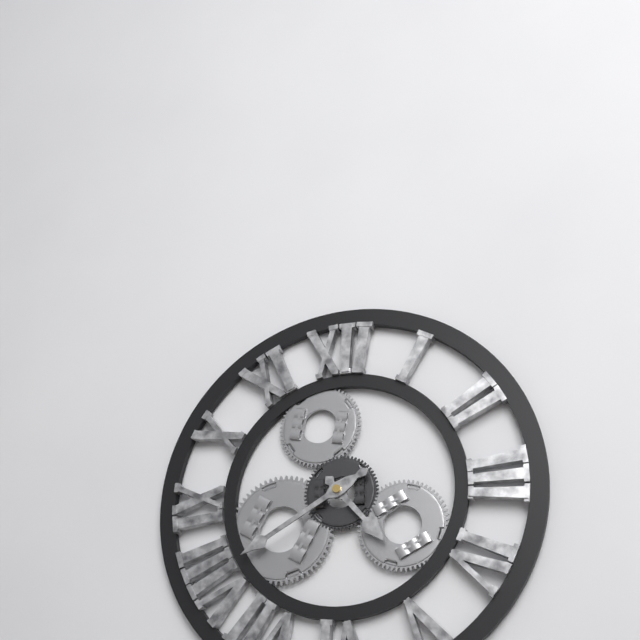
4:40
